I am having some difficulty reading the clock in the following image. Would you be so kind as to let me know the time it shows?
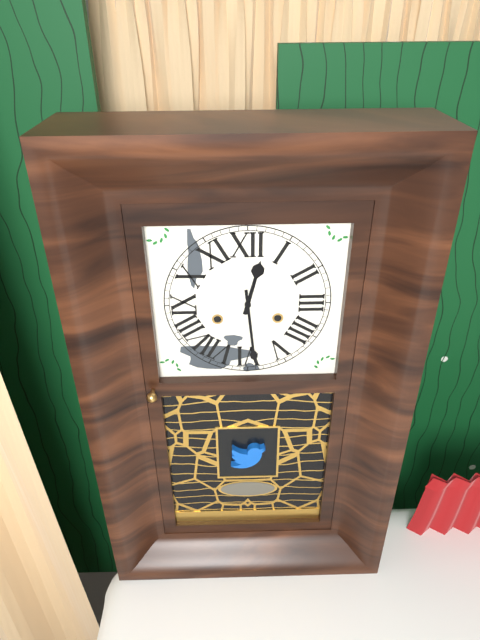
12:29
